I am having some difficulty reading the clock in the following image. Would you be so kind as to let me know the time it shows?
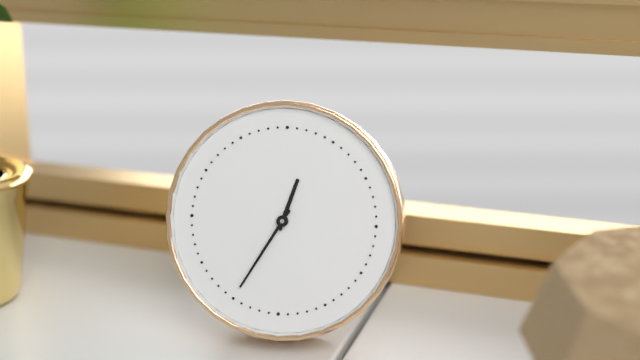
12:35
